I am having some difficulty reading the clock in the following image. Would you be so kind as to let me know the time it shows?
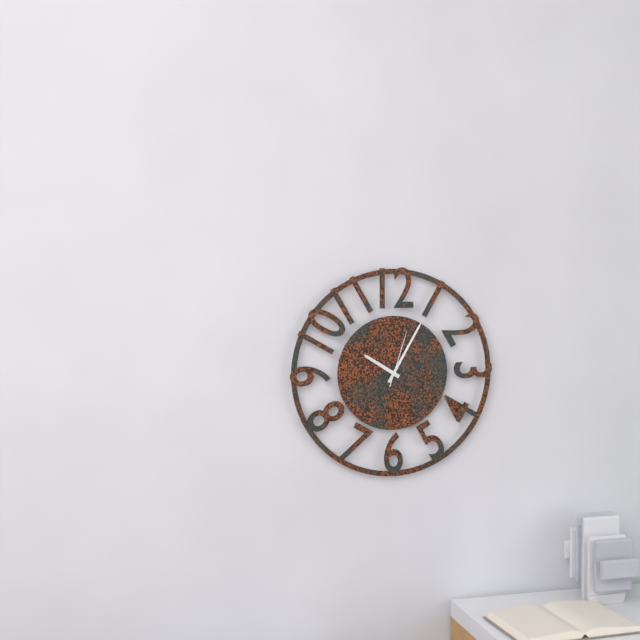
10:05:03
